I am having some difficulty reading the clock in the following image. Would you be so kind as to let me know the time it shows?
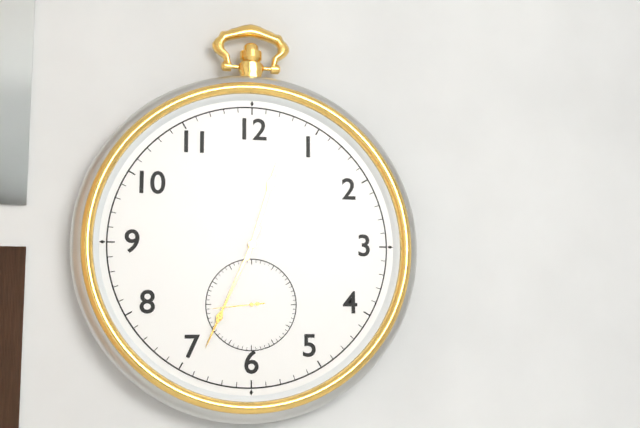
12:34:44
